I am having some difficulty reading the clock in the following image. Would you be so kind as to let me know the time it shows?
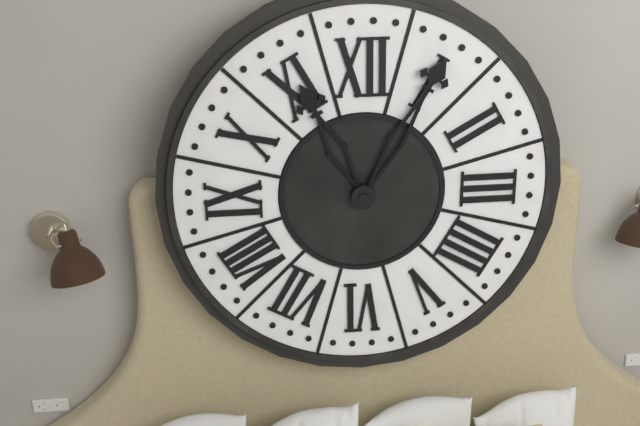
11:05
